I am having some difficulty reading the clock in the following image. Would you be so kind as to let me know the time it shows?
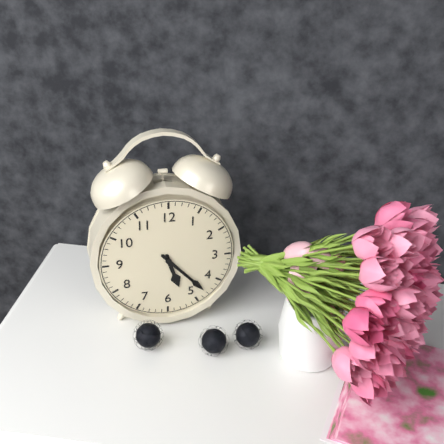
5:23
